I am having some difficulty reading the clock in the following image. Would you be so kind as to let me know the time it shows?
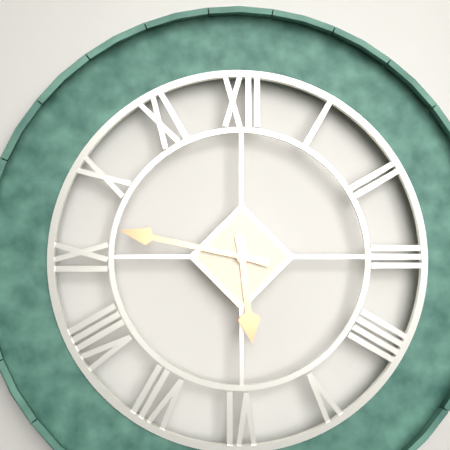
5:47
